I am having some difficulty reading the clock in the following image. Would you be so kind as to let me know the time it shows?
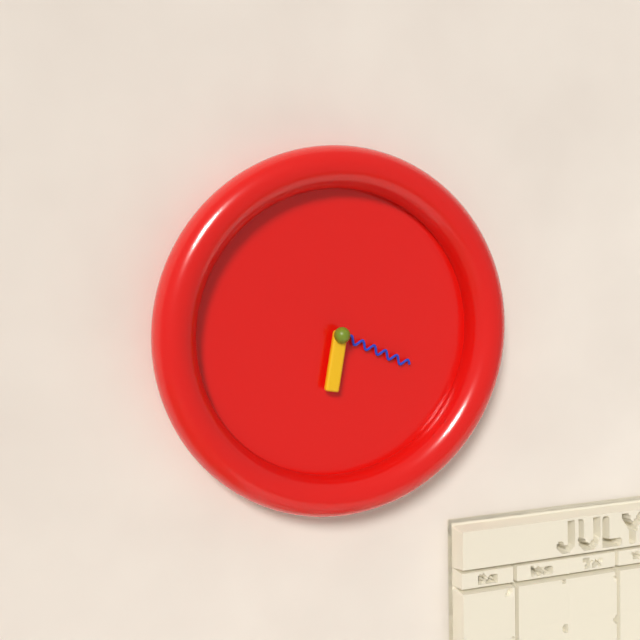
6:19
